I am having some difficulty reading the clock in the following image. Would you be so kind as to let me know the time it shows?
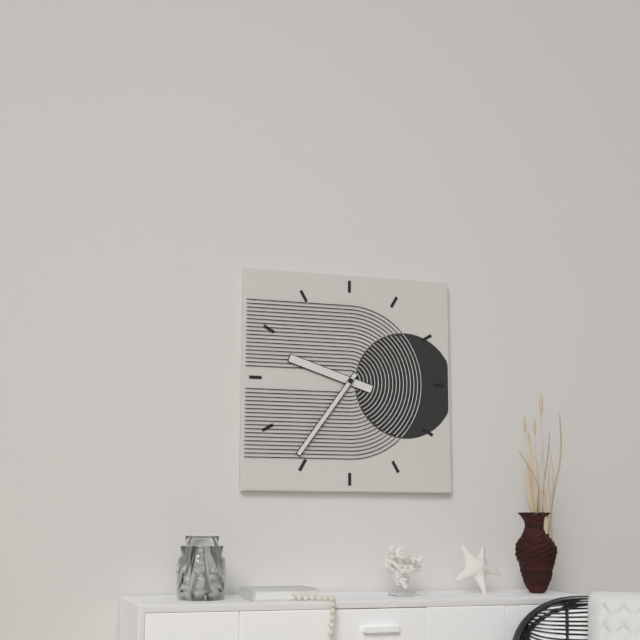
9:36
